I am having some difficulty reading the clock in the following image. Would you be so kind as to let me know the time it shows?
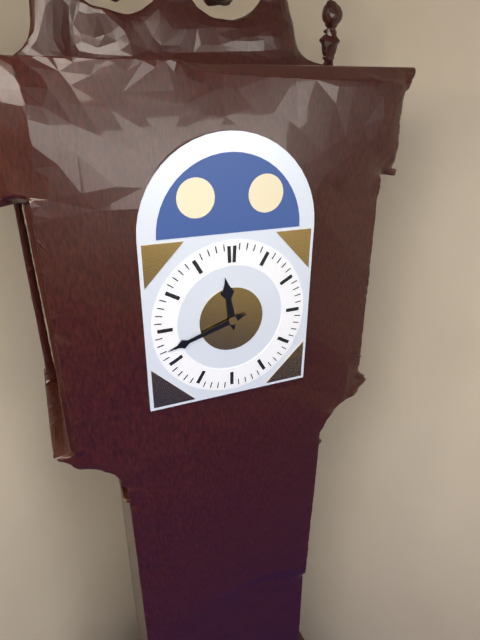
11:42
